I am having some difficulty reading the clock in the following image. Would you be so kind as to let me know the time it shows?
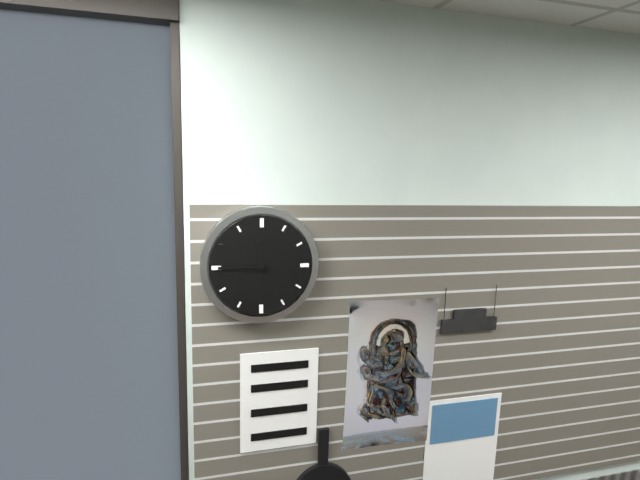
11:45
